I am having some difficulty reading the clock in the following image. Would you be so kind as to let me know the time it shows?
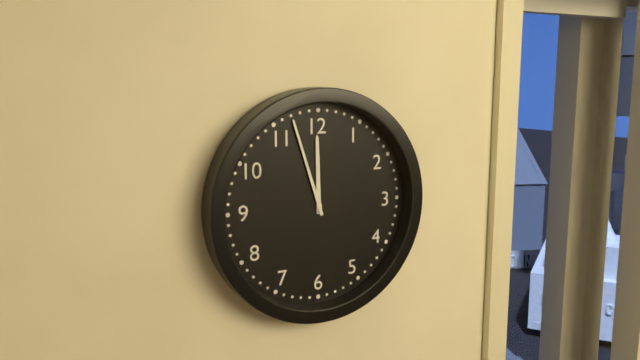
11:57
